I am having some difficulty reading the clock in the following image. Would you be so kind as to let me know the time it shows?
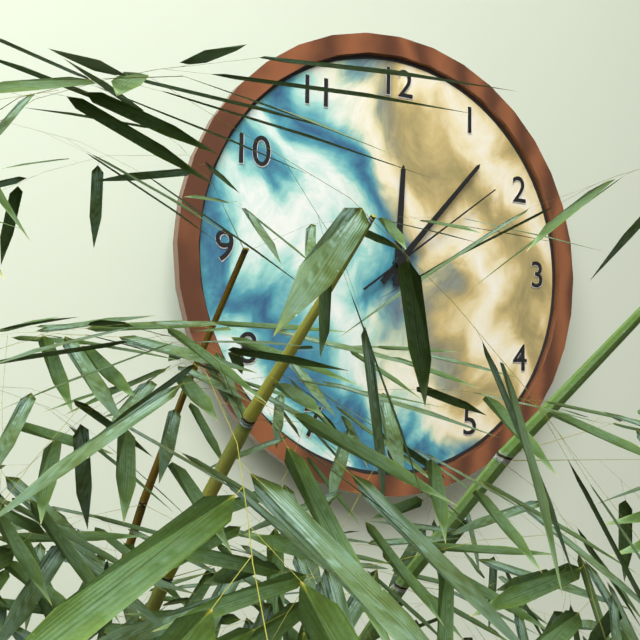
12:07:09
